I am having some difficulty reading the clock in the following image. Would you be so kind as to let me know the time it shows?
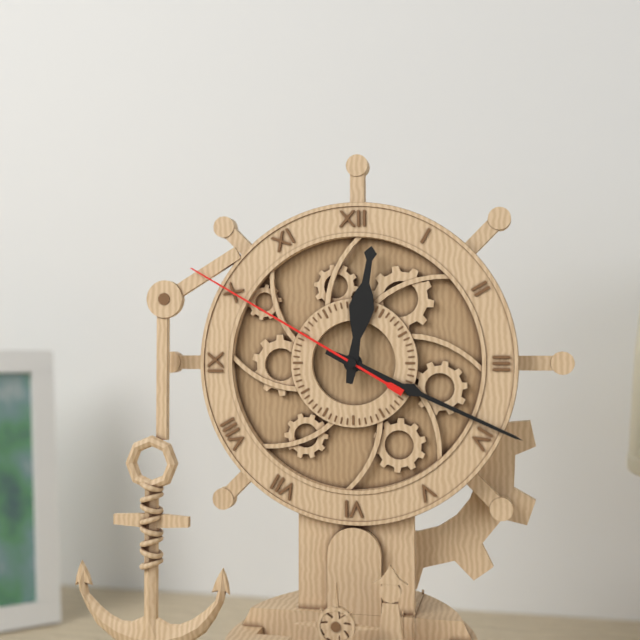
12:19:50
